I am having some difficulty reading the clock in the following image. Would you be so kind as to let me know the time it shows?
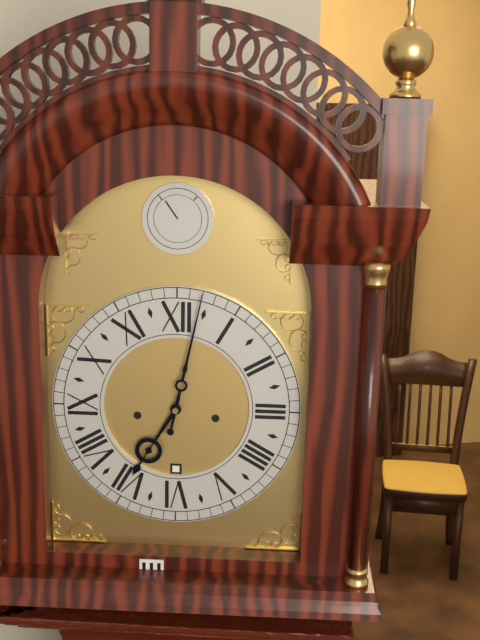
7:02
